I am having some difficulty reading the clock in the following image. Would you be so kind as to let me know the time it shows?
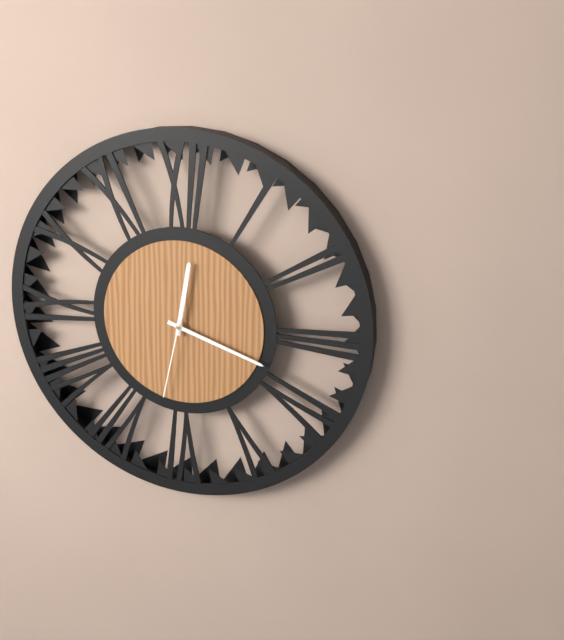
12:18:32
